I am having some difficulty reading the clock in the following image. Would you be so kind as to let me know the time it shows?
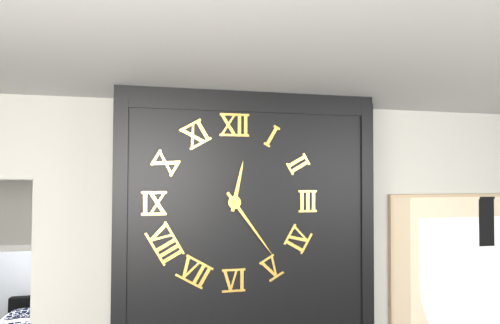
12:24
